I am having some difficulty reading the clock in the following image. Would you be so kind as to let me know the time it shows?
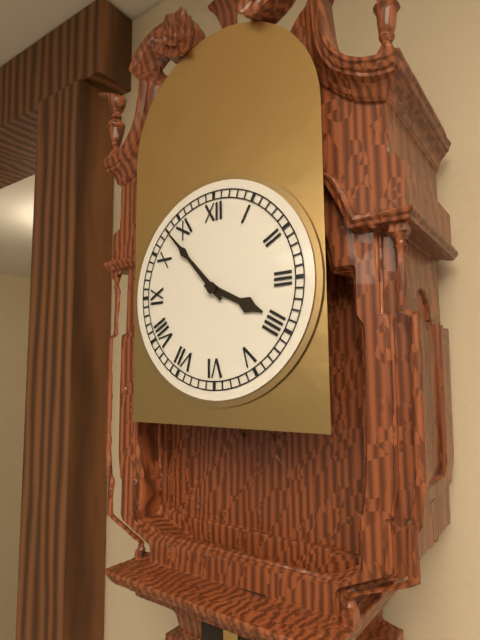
3:53
